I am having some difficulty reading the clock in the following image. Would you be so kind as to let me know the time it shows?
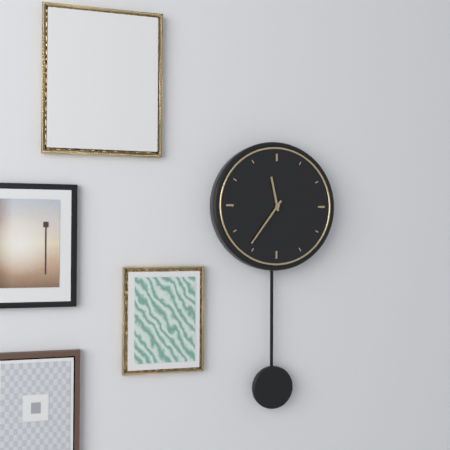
11:36
